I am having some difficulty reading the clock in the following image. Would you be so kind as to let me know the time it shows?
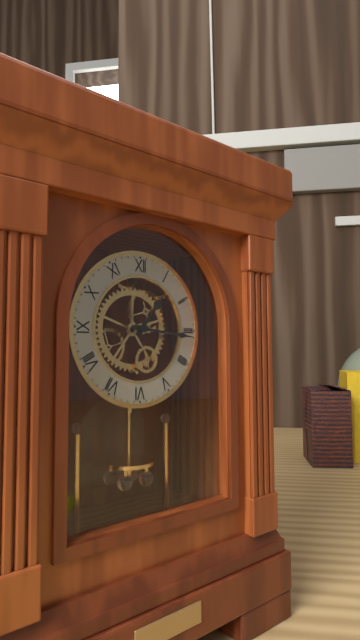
1:16
